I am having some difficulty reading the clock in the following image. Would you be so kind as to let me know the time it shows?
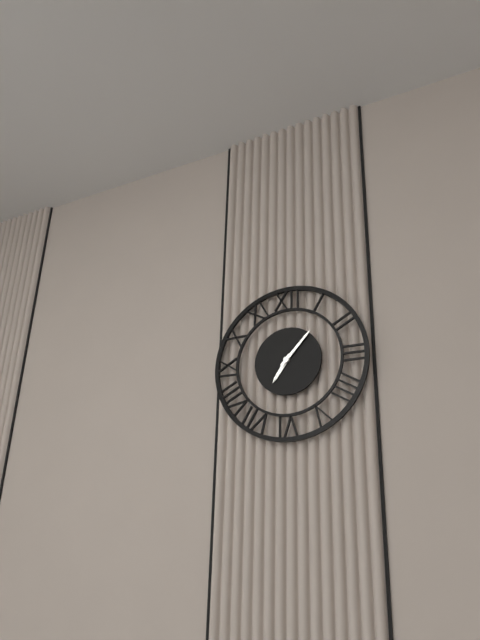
7:07
